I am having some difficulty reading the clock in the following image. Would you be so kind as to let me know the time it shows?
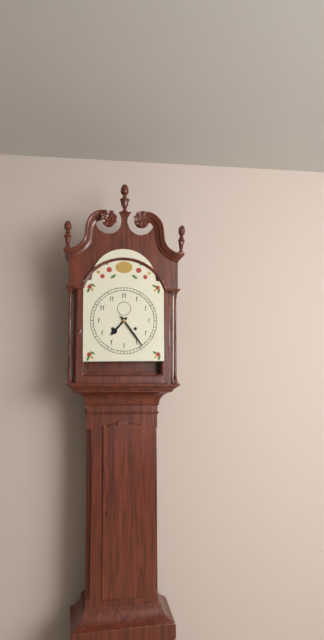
7:24
